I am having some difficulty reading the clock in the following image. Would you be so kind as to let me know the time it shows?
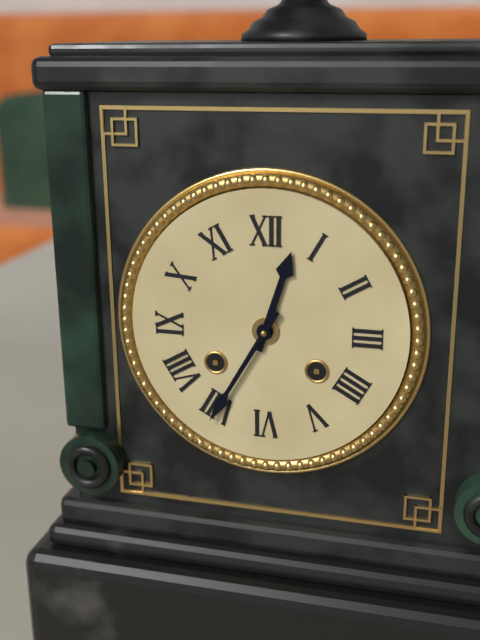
12:35
